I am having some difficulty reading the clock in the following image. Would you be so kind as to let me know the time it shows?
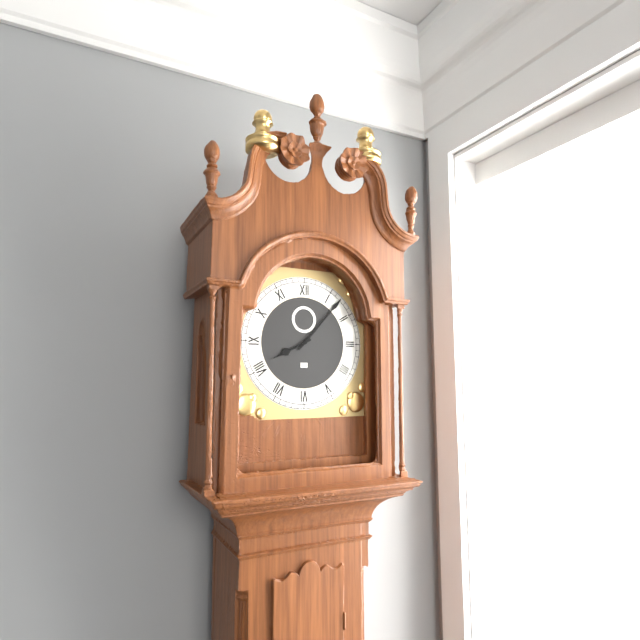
8:07
